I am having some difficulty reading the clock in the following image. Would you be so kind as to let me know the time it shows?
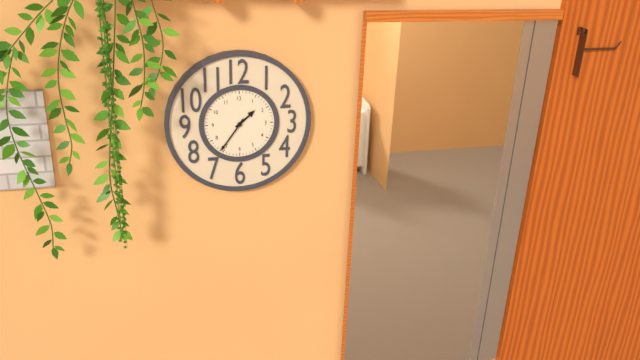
1:36
